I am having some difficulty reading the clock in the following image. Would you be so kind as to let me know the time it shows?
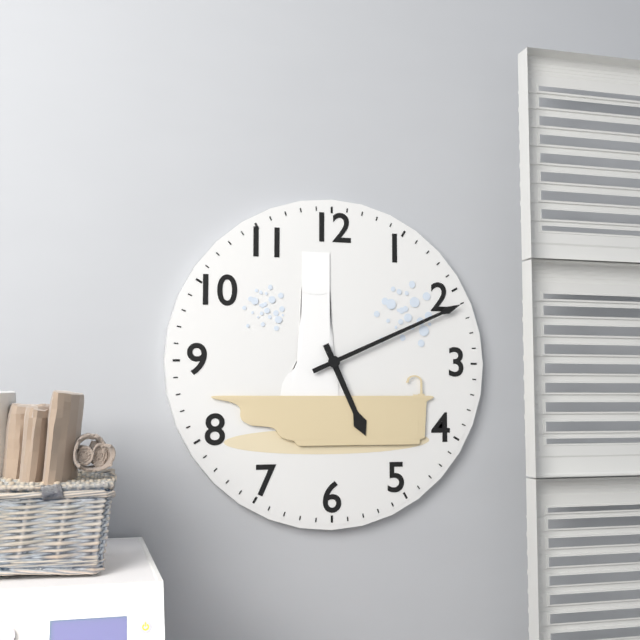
5:11
